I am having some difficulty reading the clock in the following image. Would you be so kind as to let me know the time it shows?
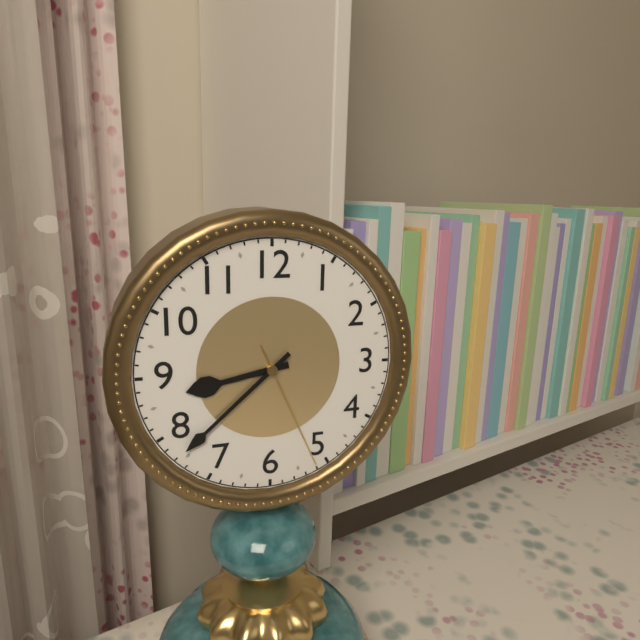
8:38:26
